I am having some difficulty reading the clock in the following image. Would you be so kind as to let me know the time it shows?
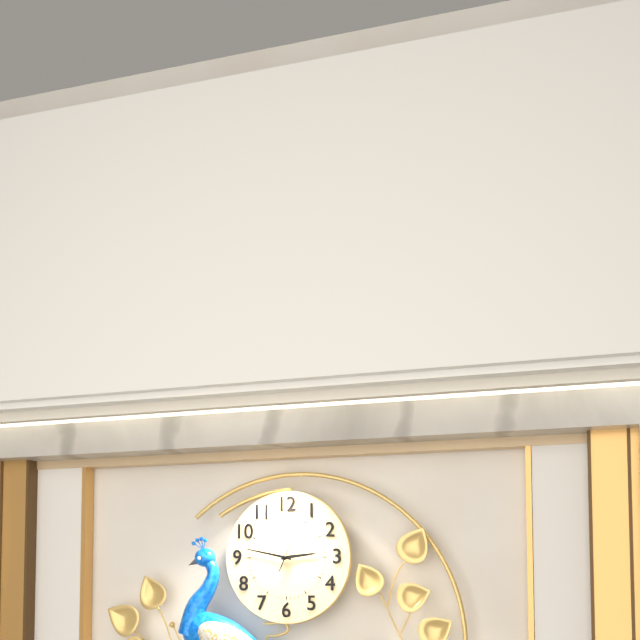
2:47:04
